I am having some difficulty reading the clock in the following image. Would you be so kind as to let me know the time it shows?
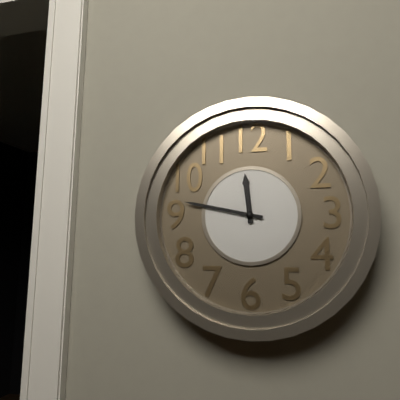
11:47
